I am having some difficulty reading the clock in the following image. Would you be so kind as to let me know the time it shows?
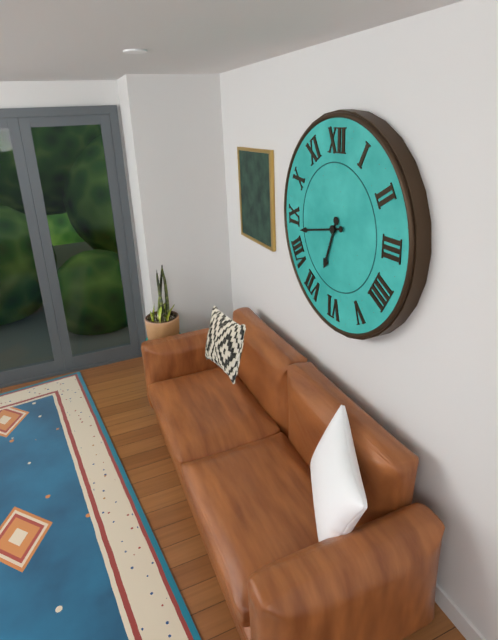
6:43
